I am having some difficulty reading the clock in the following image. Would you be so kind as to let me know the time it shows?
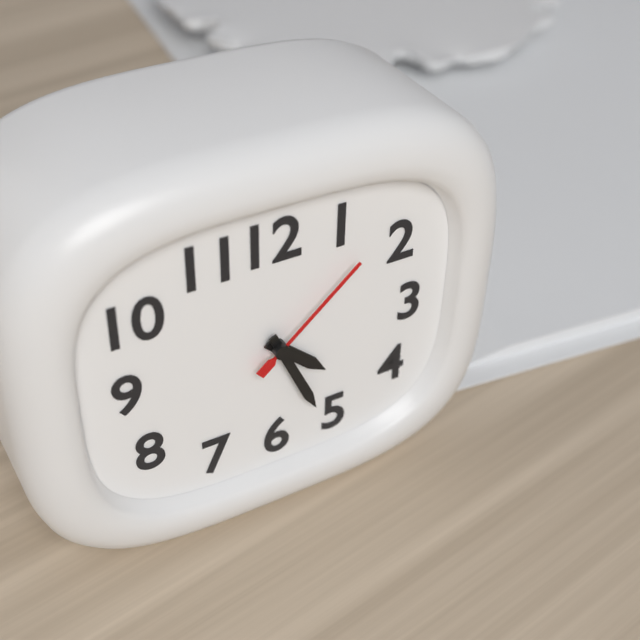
4:26:08
